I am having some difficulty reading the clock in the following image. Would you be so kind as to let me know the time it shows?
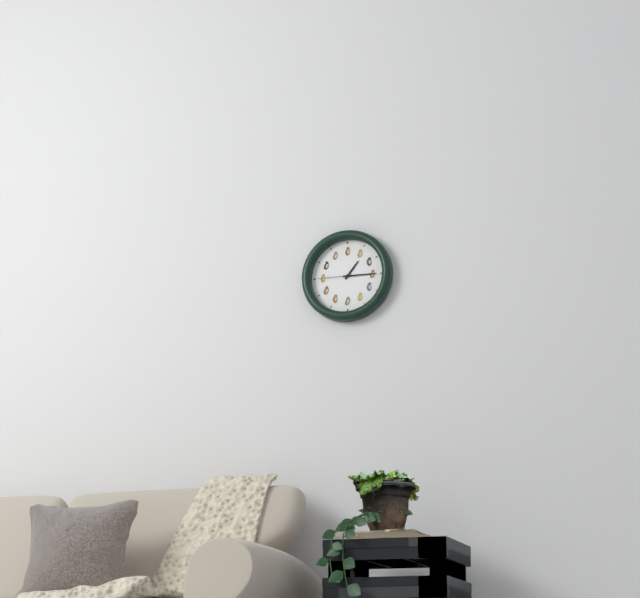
1:15
